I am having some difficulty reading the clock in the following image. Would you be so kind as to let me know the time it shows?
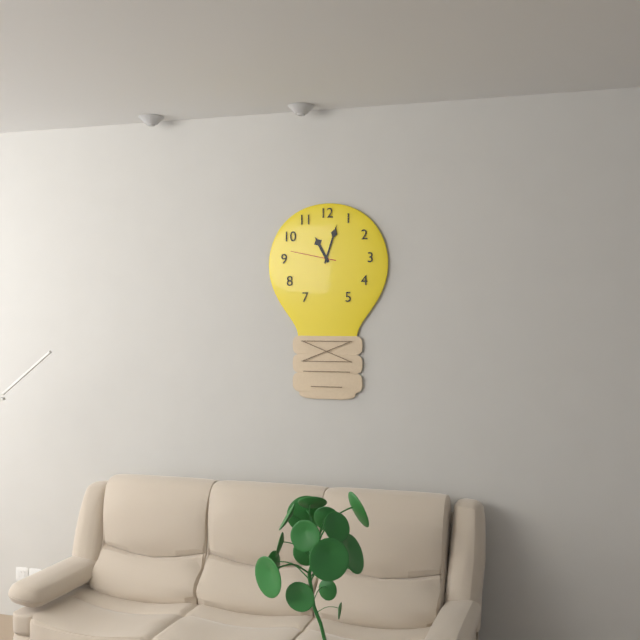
11:03
